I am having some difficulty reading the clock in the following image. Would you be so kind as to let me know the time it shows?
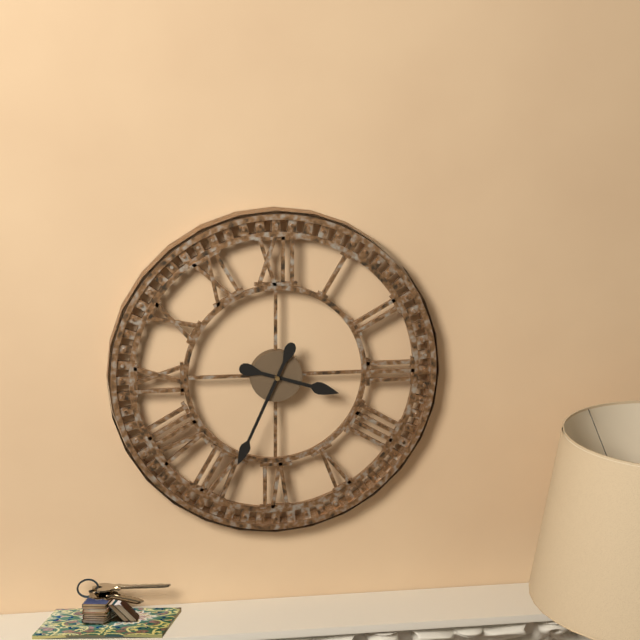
3:34
